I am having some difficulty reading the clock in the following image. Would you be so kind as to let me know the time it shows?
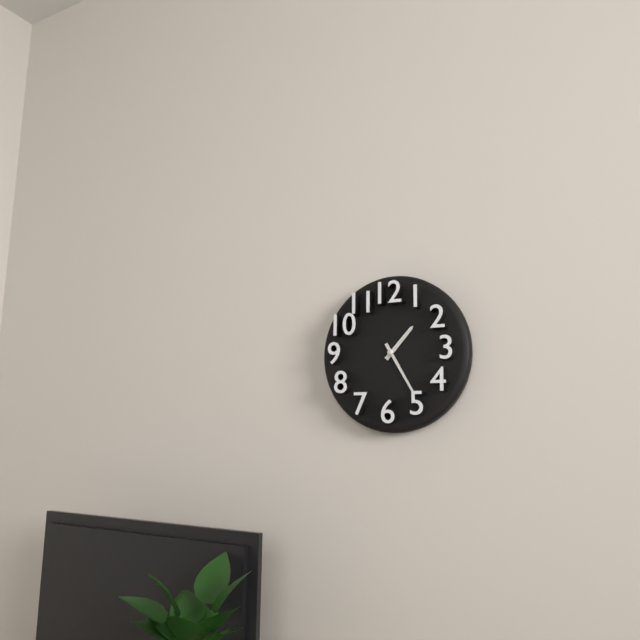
1:25
